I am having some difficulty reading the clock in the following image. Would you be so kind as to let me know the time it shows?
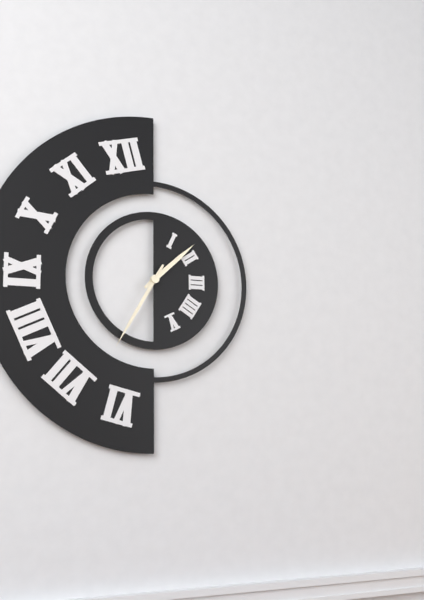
1:35
